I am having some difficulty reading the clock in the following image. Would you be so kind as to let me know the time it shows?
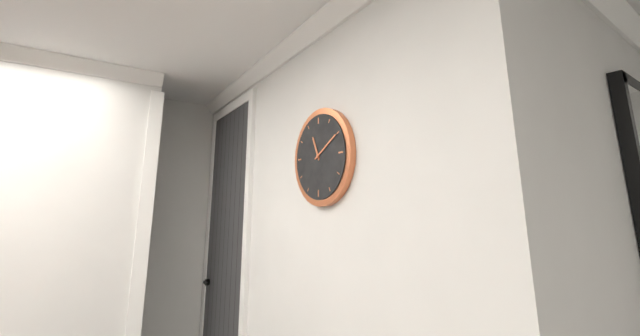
11:10
